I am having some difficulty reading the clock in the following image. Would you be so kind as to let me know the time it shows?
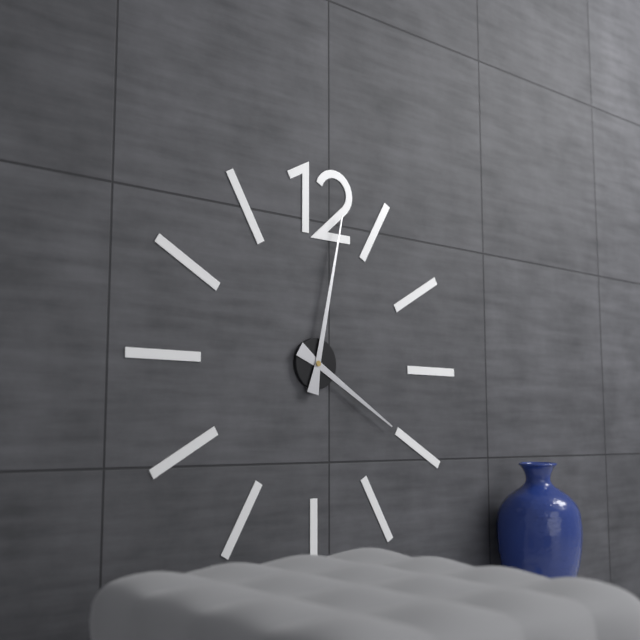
4:02
